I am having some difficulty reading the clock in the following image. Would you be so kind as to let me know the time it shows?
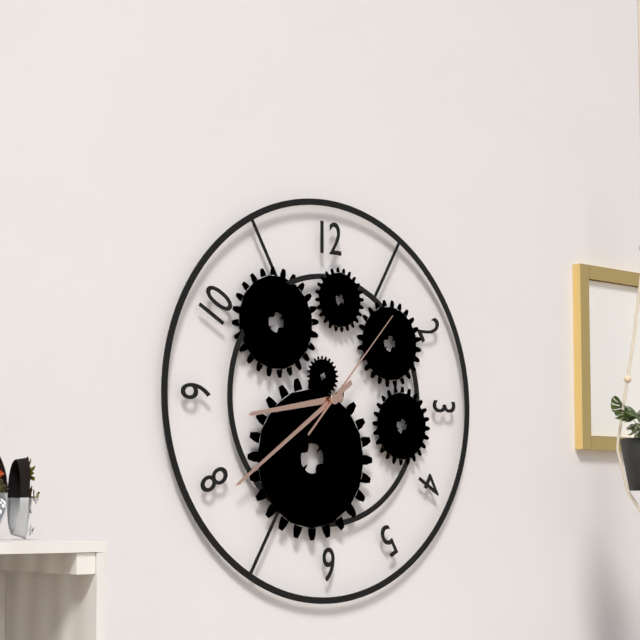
8:39:07
